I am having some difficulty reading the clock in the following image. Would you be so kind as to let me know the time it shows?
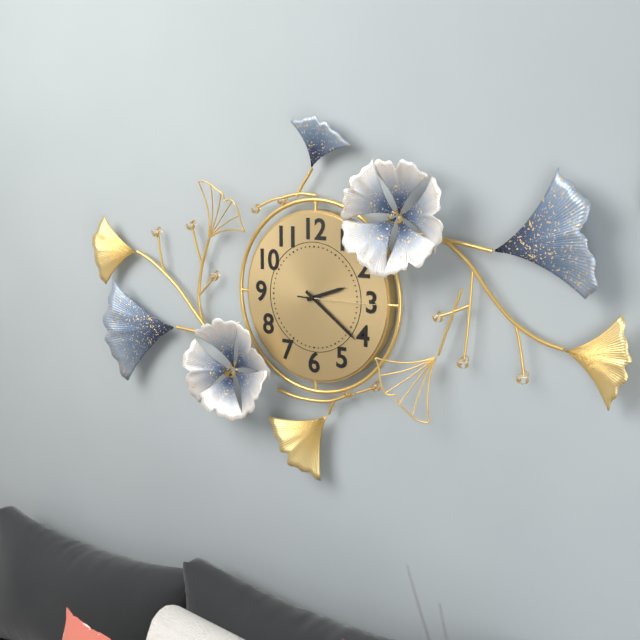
2:21:15
